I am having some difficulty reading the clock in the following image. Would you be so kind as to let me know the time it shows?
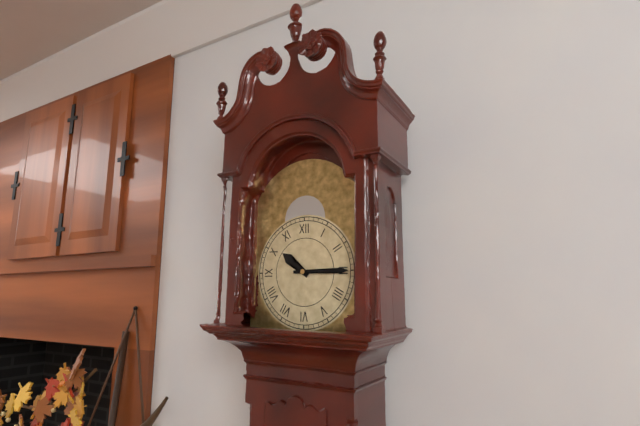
10:15
